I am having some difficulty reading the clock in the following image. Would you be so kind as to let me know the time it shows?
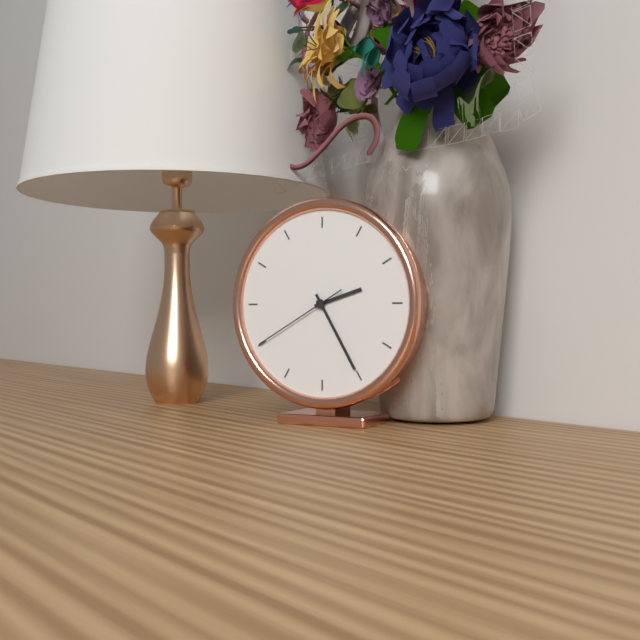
2:25:40
